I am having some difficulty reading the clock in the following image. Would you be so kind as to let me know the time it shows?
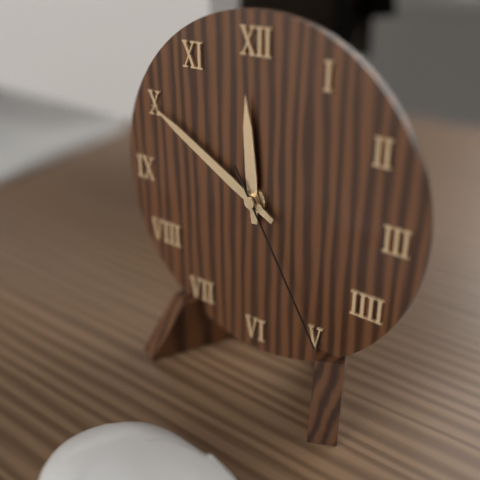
11:50:25
